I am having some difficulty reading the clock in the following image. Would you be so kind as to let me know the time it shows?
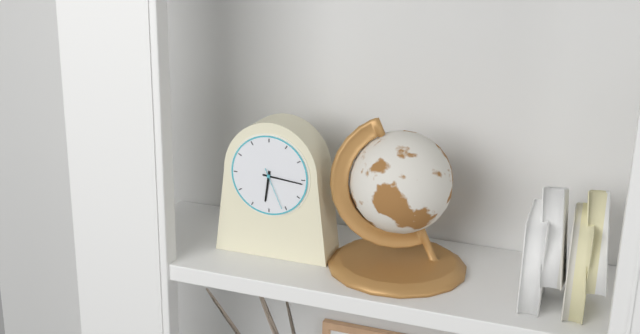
6:16
